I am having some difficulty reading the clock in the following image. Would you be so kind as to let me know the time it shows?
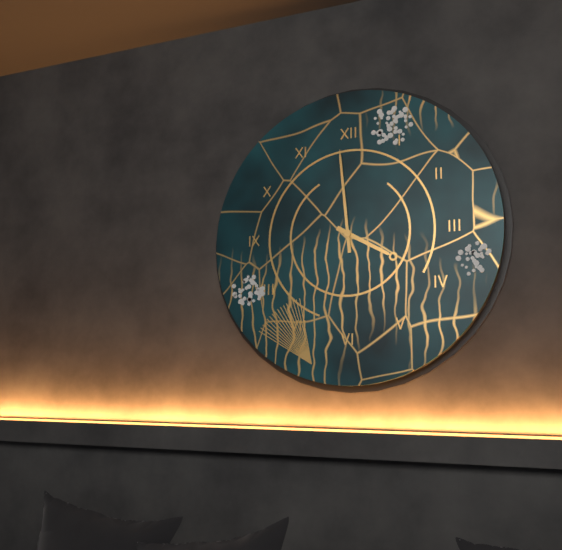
3:59
